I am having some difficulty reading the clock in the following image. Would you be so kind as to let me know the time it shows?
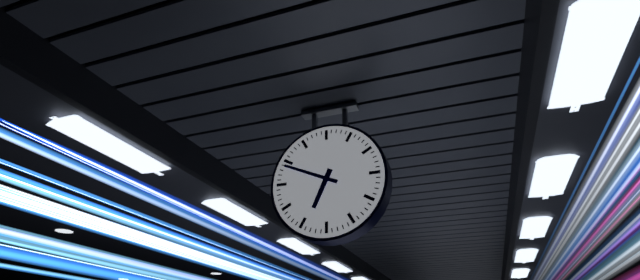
6:49
